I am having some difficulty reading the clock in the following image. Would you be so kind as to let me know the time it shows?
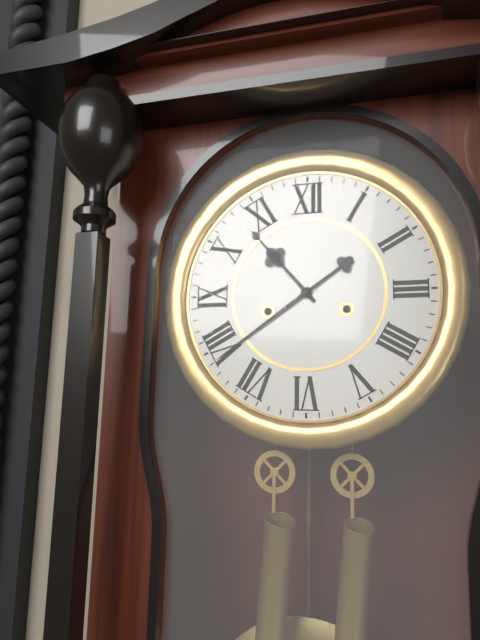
10:39
